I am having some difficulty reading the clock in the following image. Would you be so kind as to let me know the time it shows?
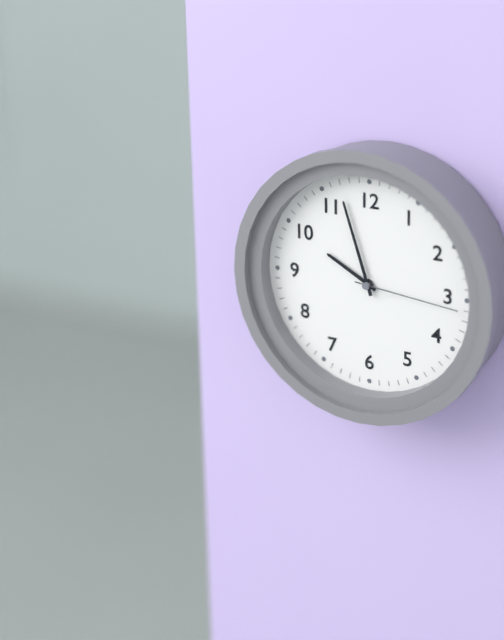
9:57:16
